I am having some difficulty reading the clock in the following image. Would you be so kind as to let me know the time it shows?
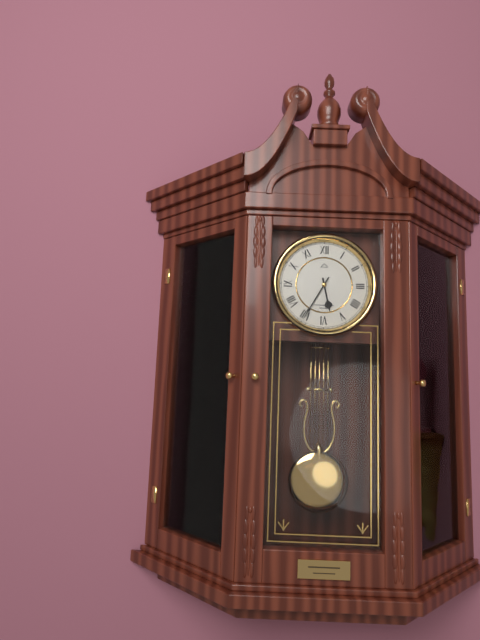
5:35
